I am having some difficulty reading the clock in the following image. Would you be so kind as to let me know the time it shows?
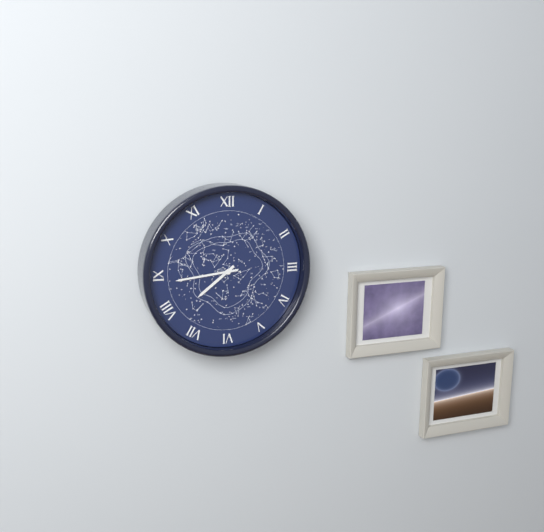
7:44
